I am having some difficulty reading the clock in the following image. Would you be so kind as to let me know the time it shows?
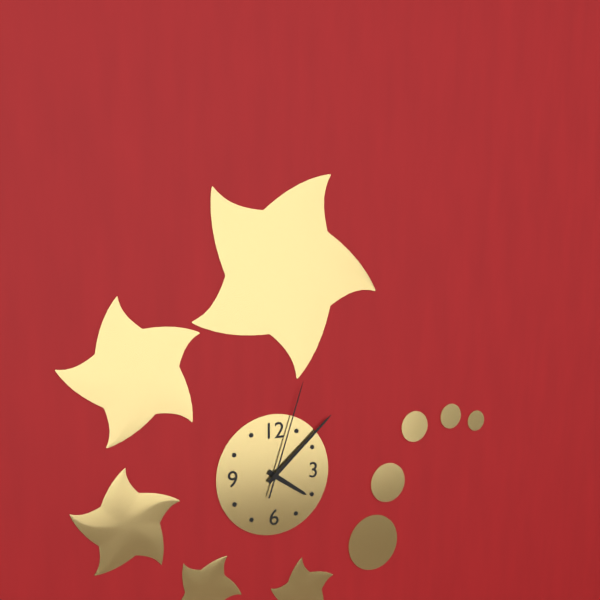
4:08:03
